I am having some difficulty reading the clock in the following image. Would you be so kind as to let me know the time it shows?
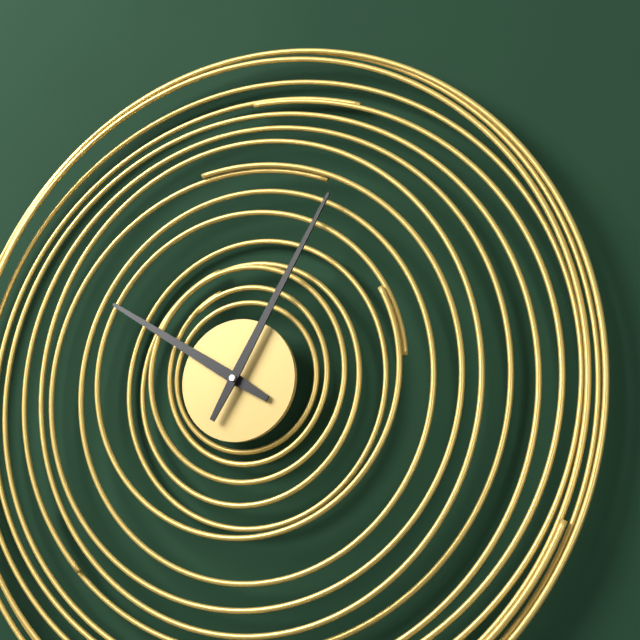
10:05
